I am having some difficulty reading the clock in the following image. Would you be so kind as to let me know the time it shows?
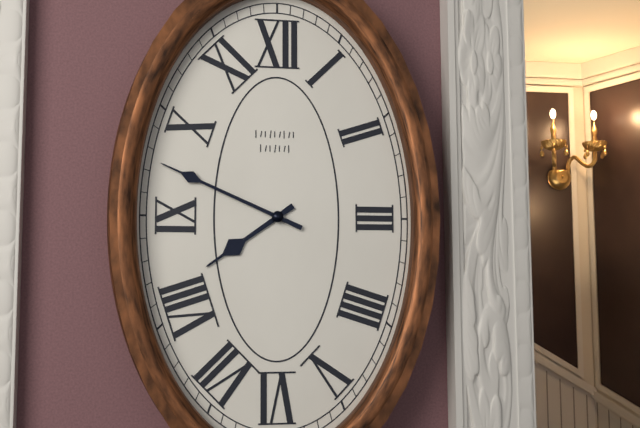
7:49
